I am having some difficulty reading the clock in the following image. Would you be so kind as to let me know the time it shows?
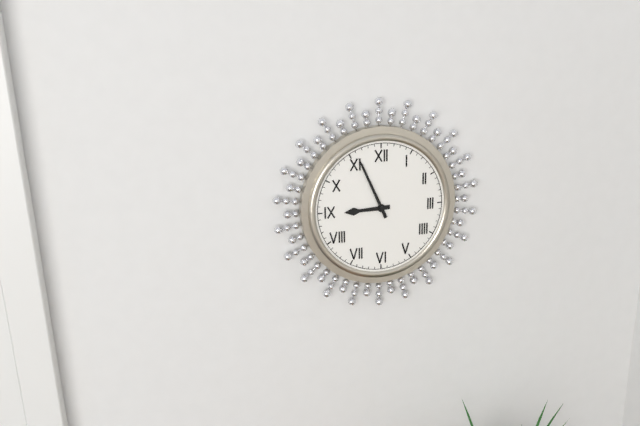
8:56
